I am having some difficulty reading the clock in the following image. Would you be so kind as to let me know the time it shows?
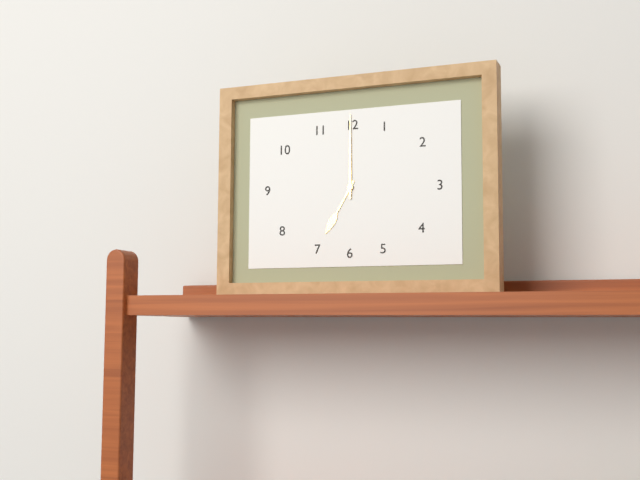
7:00
